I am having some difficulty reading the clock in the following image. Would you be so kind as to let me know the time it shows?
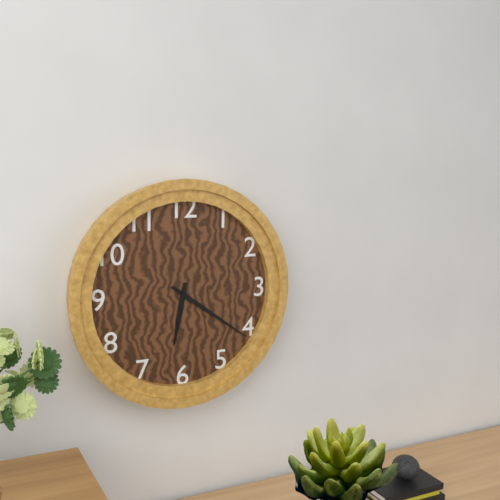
6:21
